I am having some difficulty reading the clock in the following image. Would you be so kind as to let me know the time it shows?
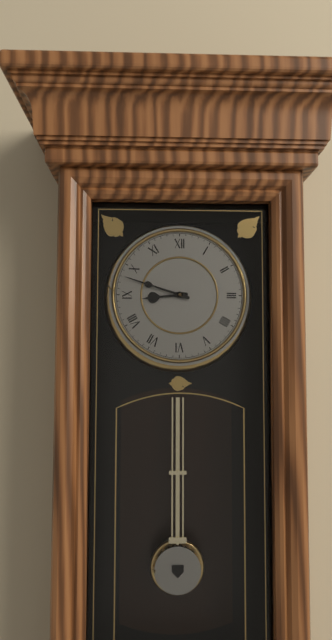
8:48
